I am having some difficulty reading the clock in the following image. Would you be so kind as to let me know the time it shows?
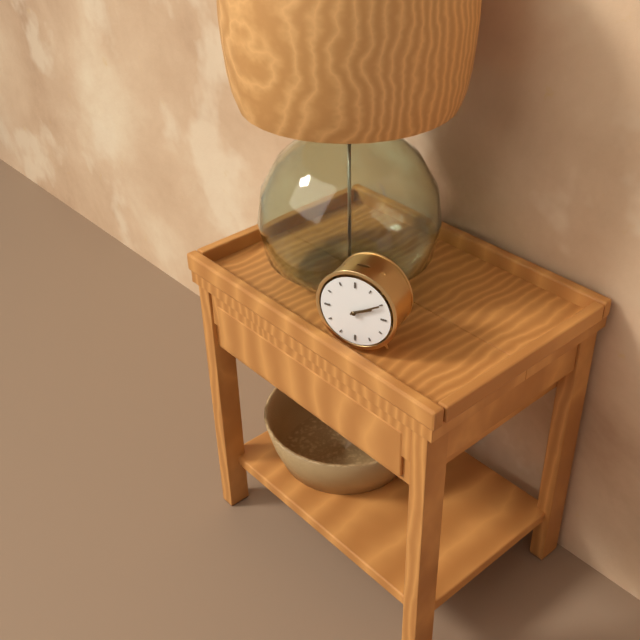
2:10
